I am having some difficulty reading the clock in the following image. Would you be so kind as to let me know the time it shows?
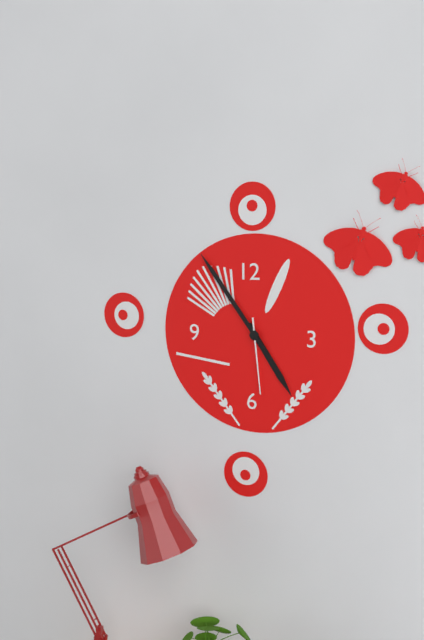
4:54:29
